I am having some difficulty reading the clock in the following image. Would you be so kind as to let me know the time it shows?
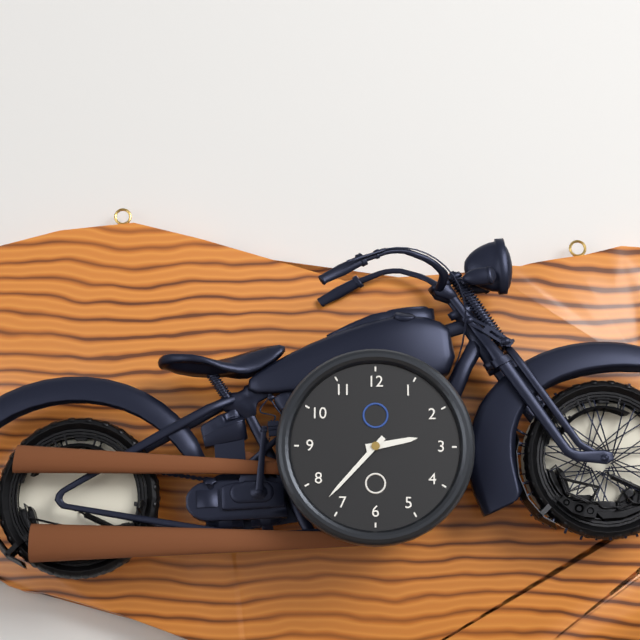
2:37
